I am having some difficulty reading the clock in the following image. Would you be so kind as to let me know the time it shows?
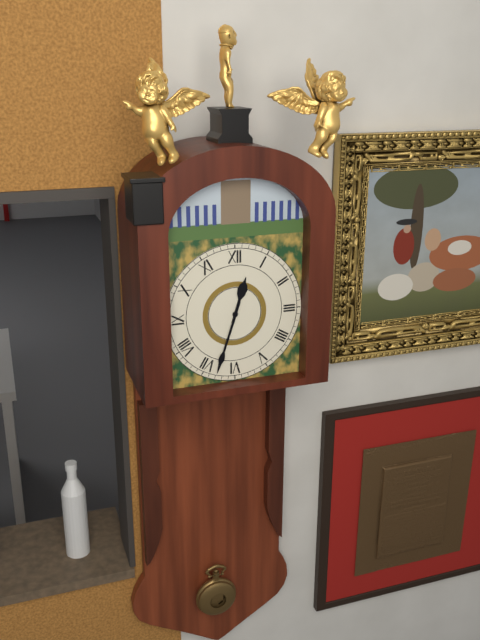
12:33
